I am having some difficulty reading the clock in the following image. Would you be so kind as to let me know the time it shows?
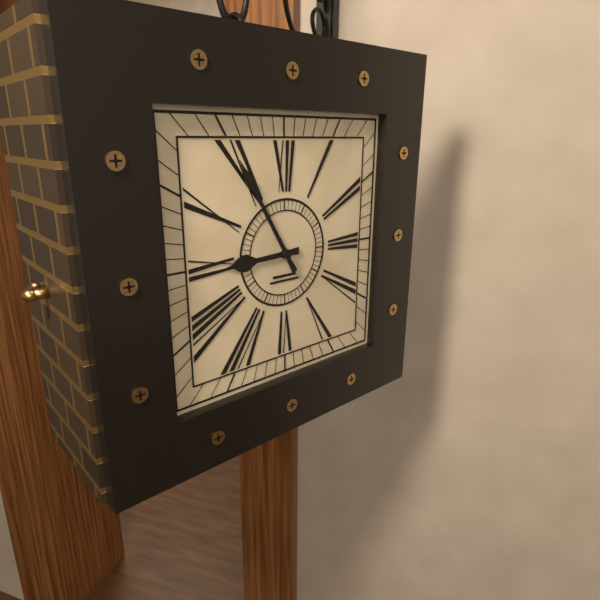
8:55
